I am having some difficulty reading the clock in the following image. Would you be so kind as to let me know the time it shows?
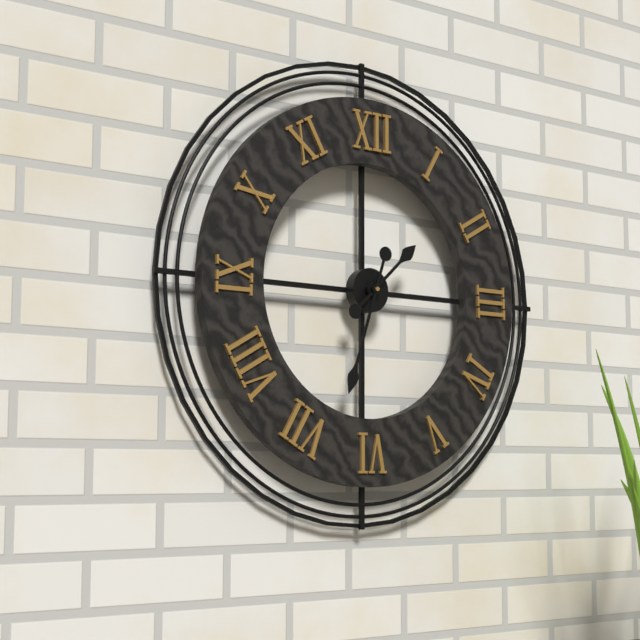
1:33
